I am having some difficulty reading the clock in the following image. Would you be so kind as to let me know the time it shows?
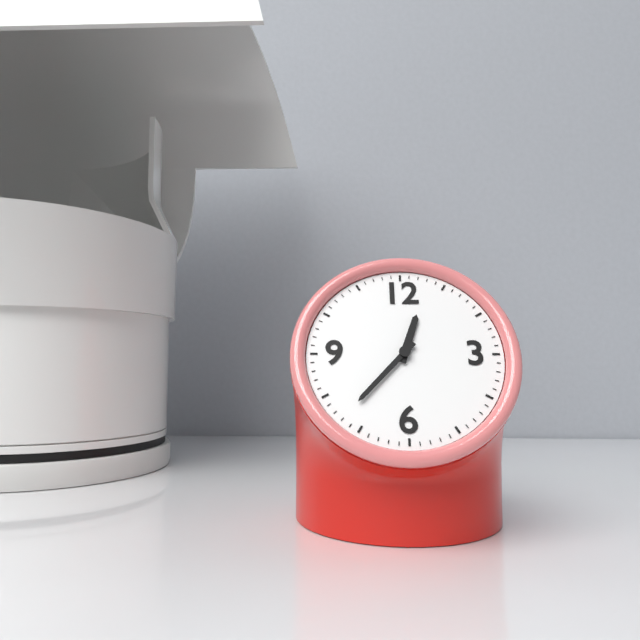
12:37
